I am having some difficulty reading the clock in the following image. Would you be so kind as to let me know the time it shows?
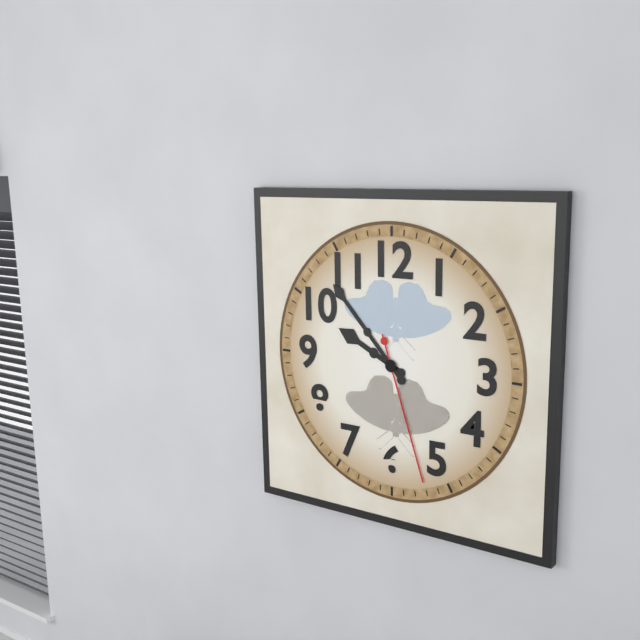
9:53:27
